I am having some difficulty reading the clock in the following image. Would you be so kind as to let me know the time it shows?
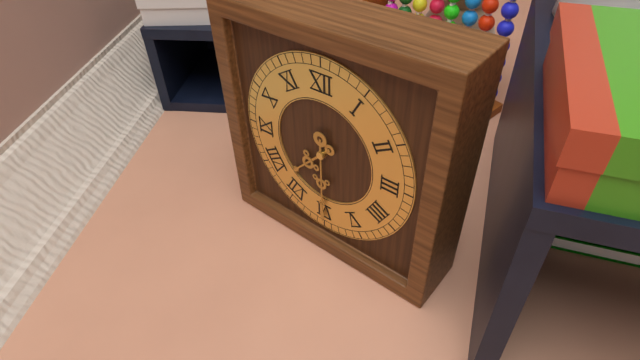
7:30
